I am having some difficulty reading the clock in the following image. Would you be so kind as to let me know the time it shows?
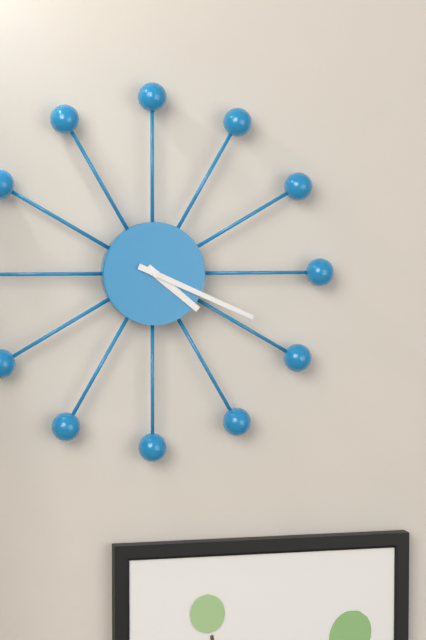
4:19
